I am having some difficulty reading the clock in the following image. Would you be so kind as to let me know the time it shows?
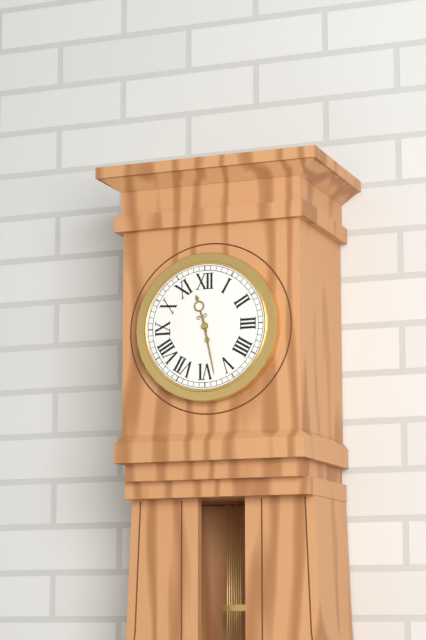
11:28
